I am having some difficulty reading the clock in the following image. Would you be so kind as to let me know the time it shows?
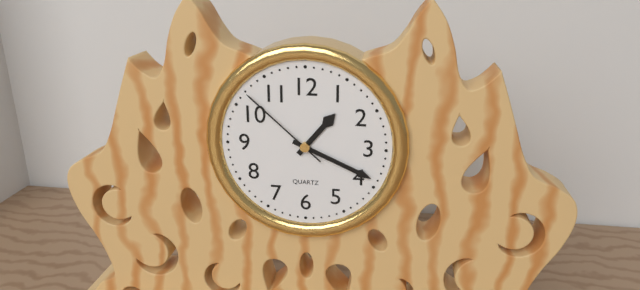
1:19:52
